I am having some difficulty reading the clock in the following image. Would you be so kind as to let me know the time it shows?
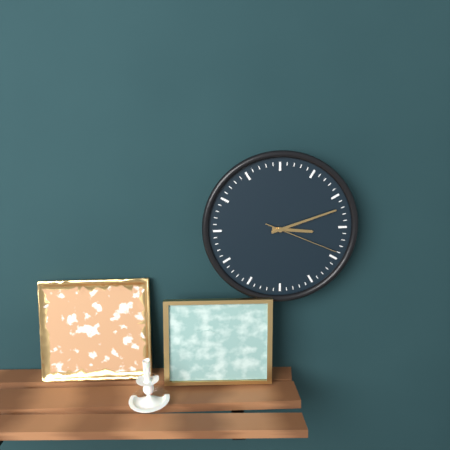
3:12:19
